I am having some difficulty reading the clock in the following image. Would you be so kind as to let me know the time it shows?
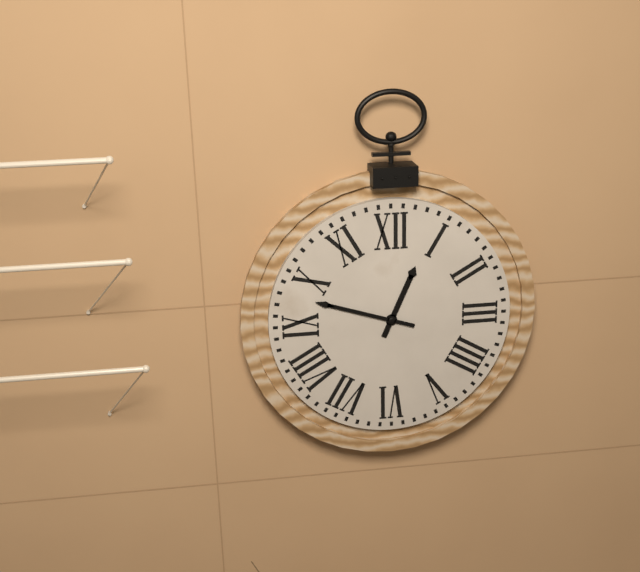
12:48
